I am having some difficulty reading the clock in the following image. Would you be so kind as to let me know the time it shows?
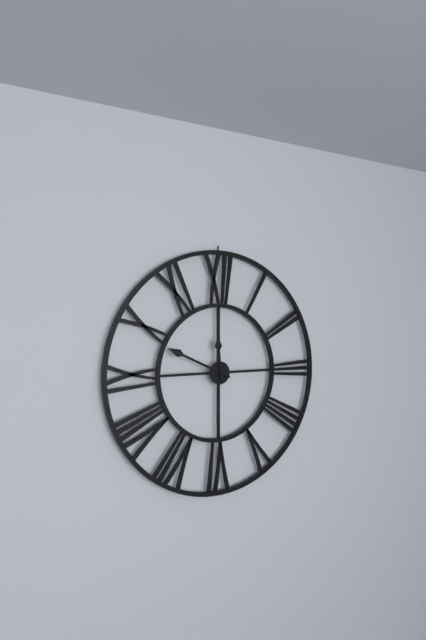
11:49
